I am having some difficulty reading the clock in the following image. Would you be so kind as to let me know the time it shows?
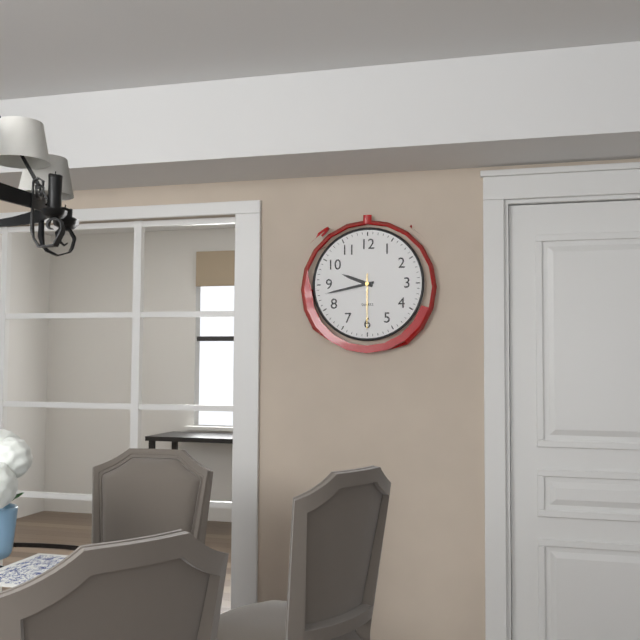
9:43:30
